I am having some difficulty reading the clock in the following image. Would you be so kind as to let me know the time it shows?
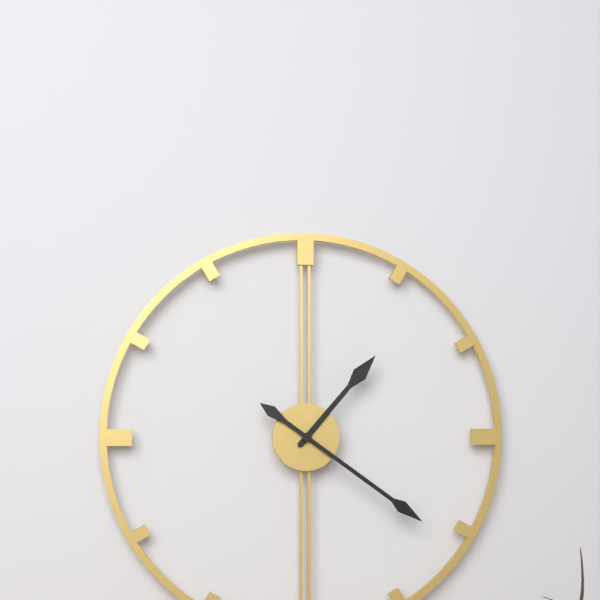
1:21
